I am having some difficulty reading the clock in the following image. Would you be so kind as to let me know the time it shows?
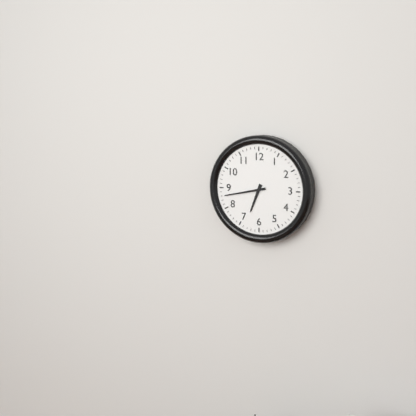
6:43
